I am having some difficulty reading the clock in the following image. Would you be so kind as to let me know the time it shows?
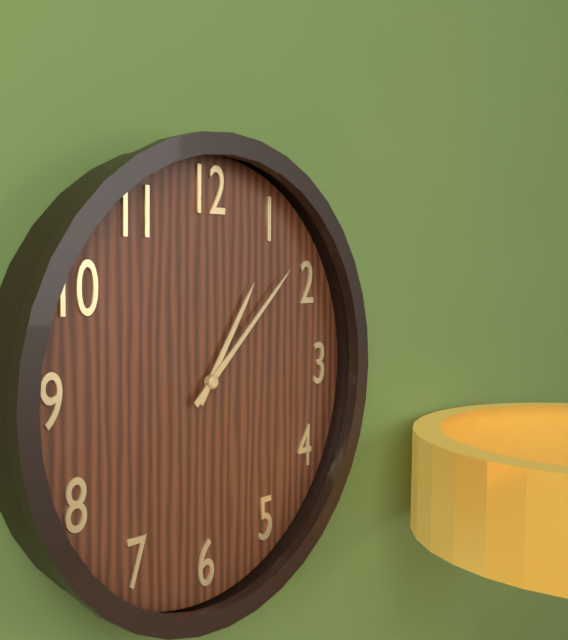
1:08
